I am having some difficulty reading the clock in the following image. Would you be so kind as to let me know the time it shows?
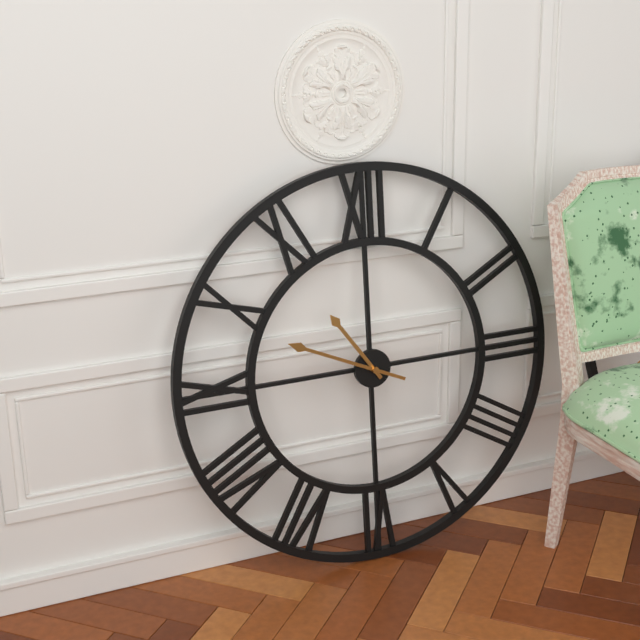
10:49
